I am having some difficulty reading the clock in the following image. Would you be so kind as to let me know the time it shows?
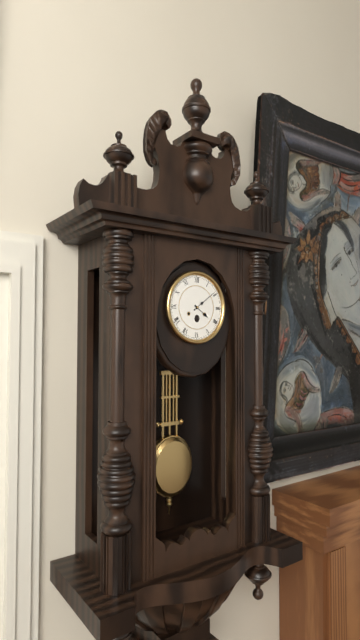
4:09
